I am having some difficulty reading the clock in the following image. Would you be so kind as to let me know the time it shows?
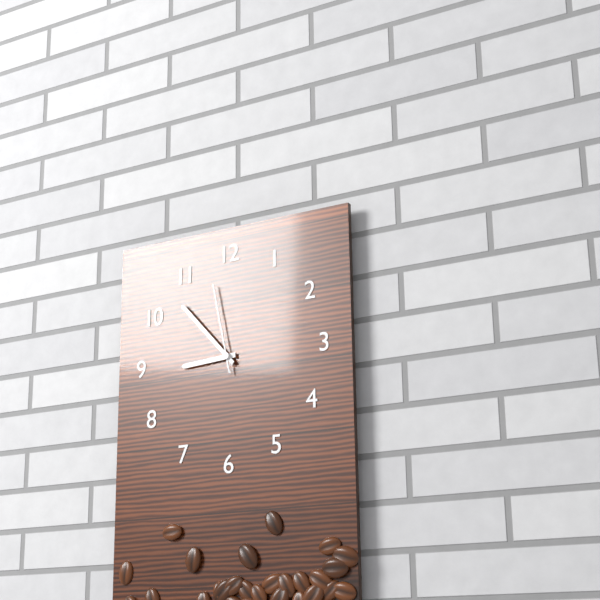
8:53:58
